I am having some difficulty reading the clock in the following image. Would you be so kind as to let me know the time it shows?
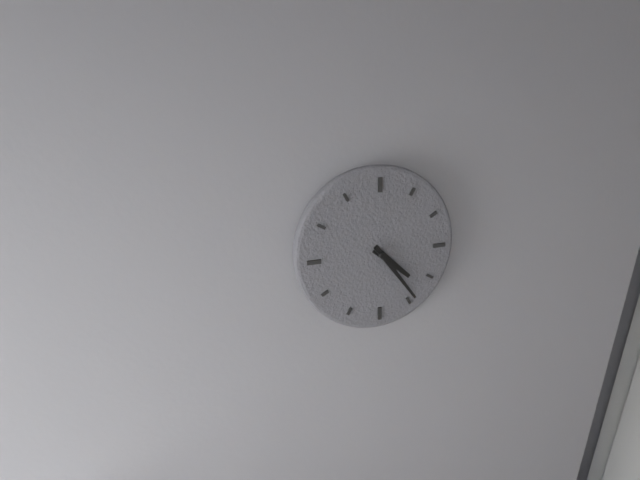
4:24
